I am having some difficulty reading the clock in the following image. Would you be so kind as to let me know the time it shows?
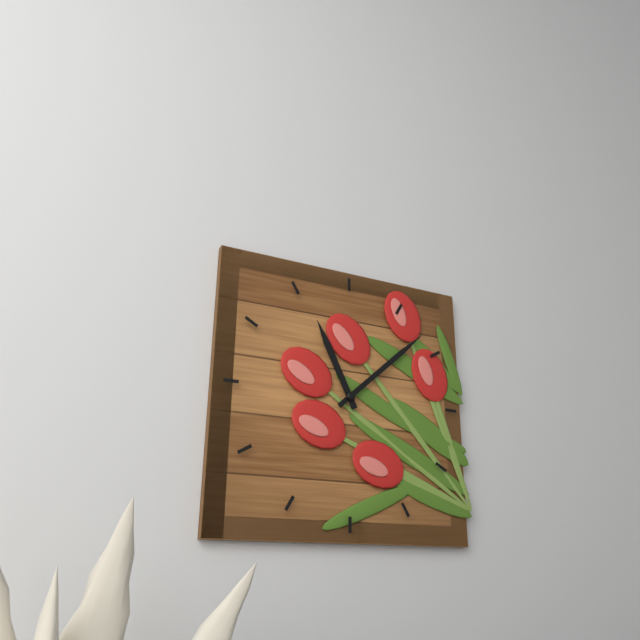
11:08
